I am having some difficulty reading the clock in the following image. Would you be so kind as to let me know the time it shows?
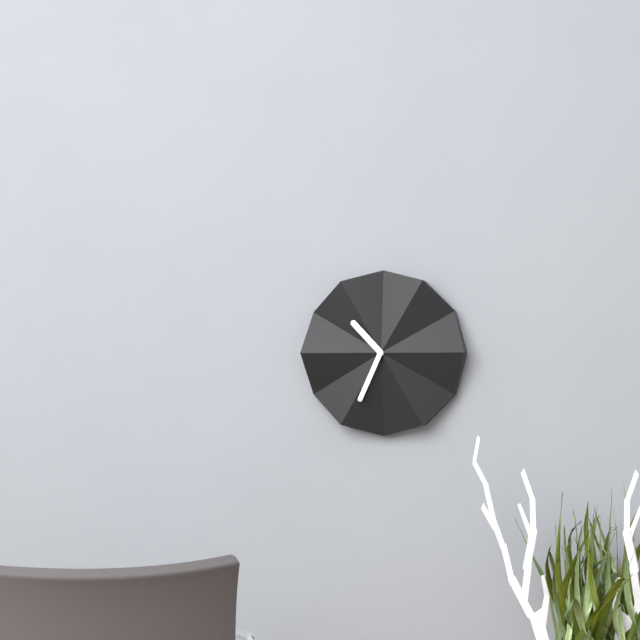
10:34
